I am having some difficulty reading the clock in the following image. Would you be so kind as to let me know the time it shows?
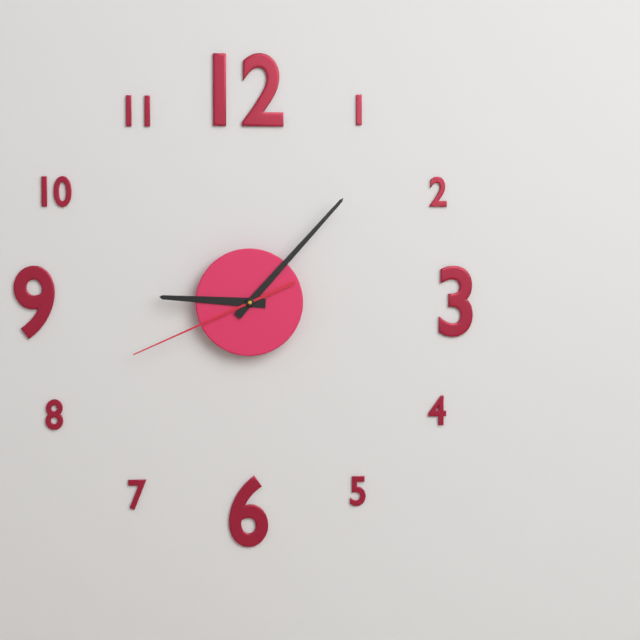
9:07:41
